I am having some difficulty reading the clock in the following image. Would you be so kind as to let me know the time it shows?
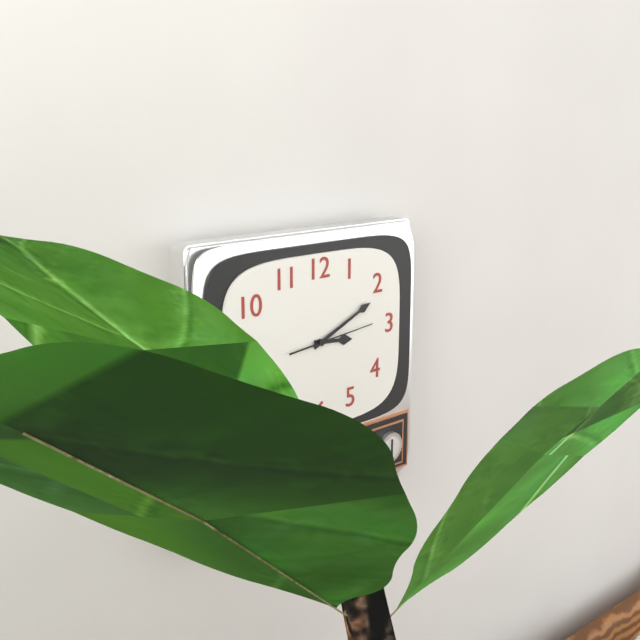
3:11:14
